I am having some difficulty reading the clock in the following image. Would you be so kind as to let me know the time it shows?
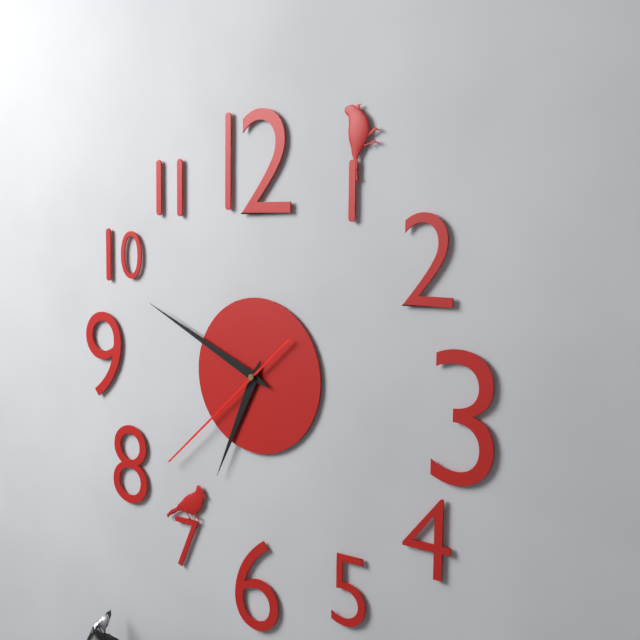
6:49:38
